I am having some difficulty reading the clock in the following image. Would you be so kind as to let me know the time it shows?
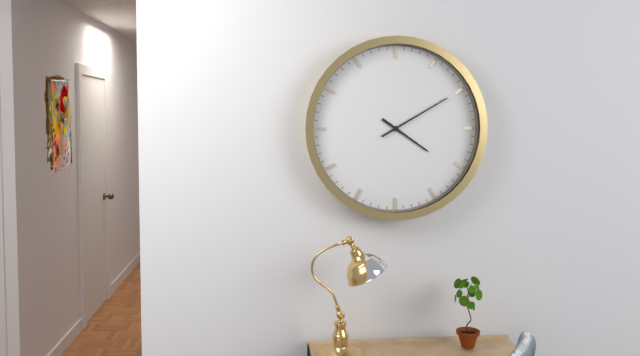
4:10
